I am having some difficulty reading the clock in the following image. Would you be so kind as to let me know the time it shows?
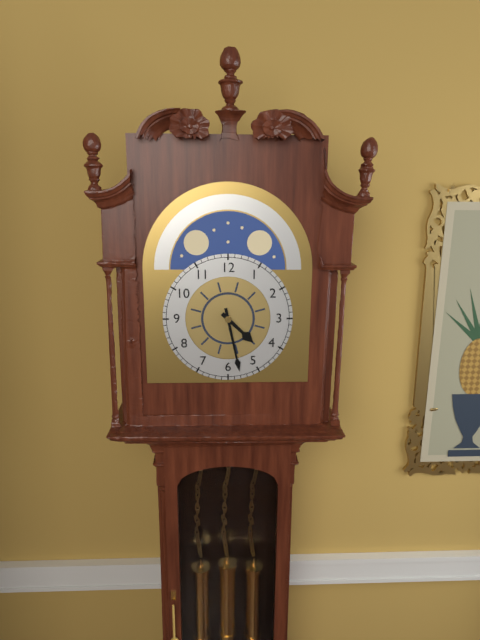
4:28
